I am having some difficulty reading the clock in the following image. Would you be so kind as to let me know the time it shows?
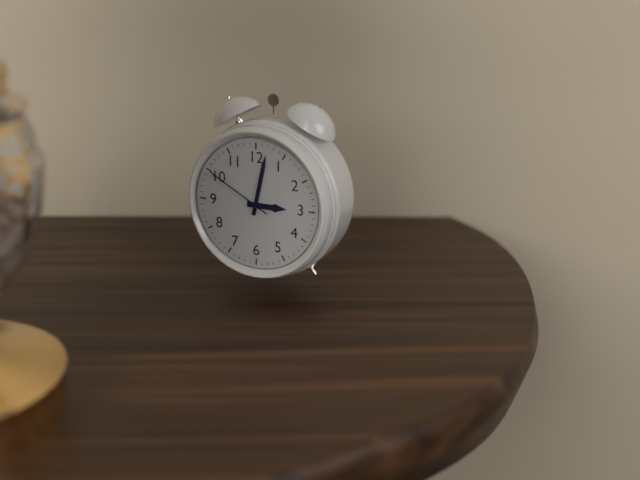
3:02:50
